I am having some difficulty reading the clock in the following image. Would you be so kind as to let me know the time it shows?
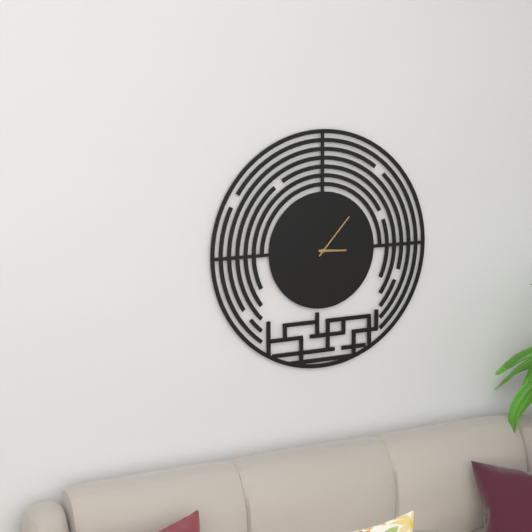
3:07
